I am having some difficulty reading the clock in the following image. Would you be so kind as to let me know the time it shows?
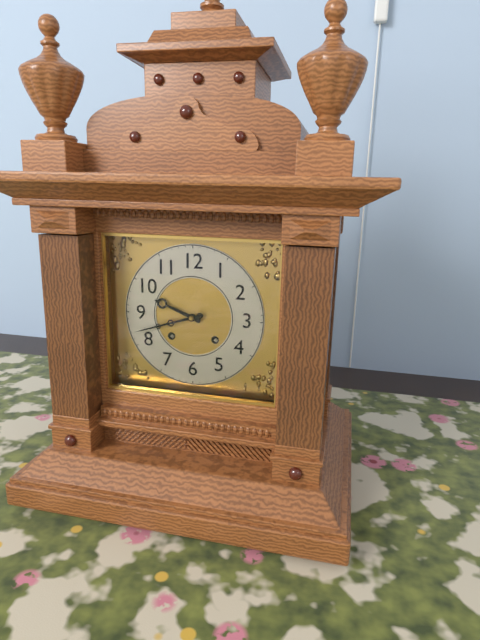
9:42
